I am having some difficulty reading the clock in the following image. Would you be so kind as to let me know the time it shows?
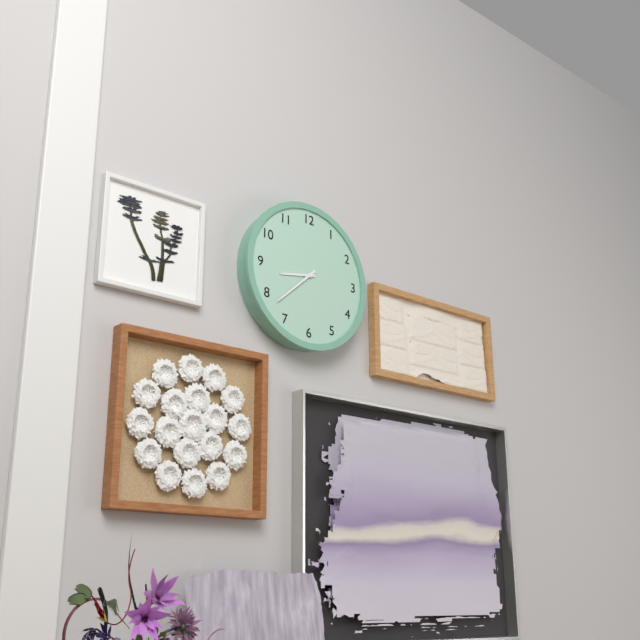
8:38
